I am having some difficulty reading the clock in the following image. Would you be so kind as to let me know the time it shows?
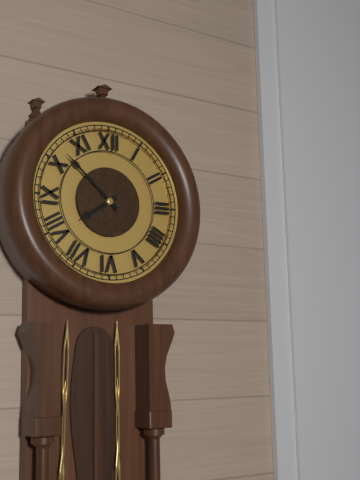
7:52
